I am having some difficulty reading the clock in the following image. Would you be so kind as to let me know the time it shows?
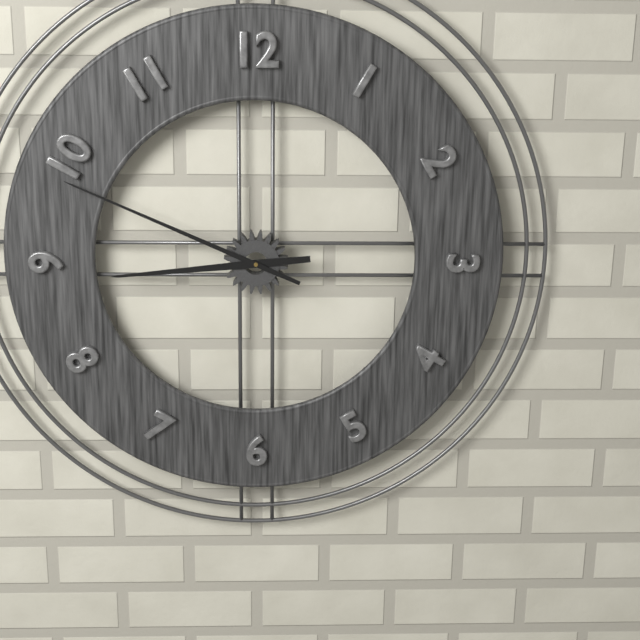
8:49
